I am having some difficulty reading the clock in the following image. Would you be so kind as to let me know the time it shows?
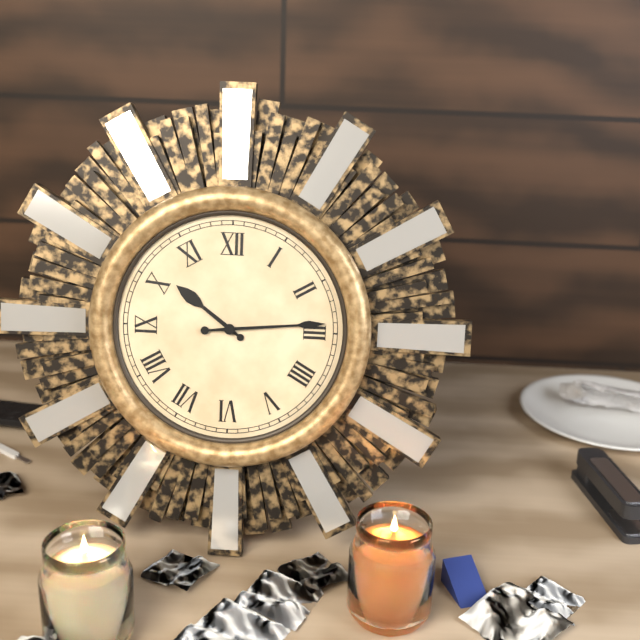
10:14
